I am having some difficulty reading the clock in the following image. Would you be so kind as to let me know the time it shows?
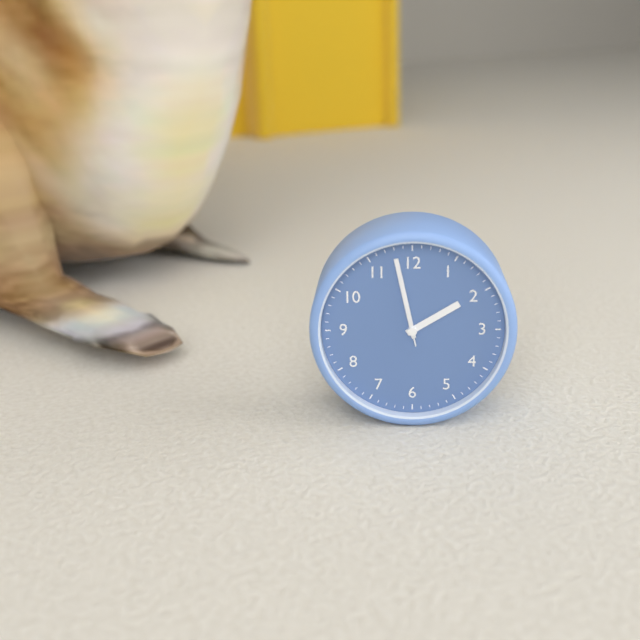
1:58:58
